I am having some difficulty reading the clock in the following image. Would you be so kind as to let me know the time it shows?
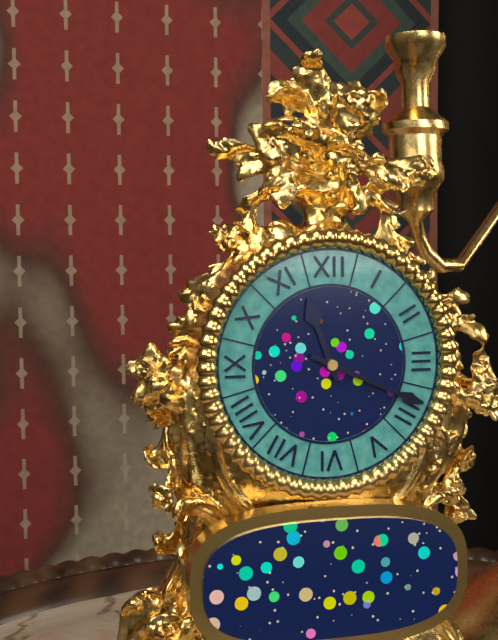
11:19
